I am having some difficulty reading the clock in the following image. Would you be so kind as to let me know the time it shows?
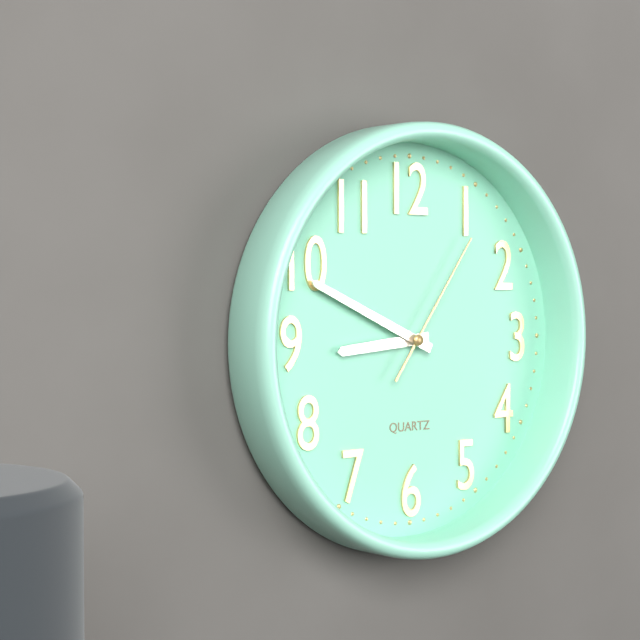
8:49:06
